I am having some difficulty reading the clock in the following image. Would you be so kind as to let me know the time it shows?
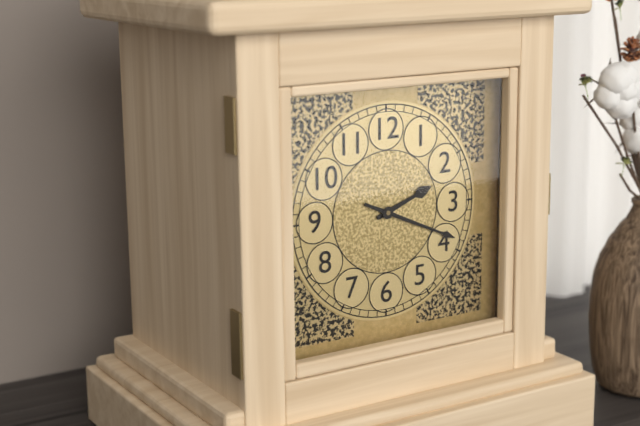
2:19
